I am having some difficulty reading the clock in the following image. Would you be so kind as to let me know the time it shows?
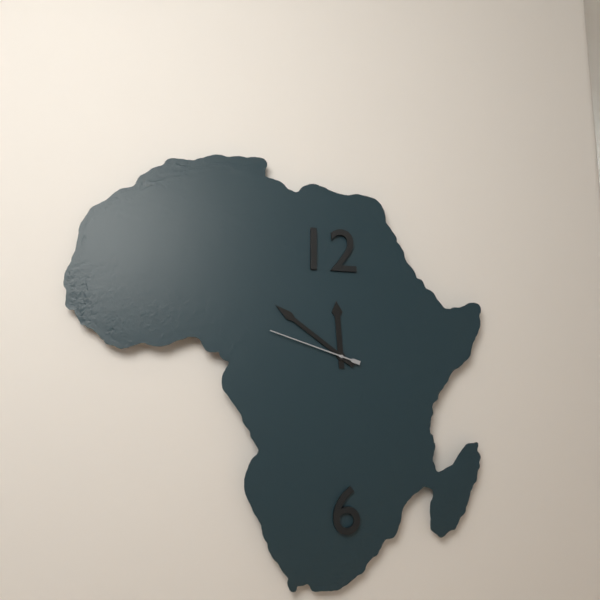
11:51:48
